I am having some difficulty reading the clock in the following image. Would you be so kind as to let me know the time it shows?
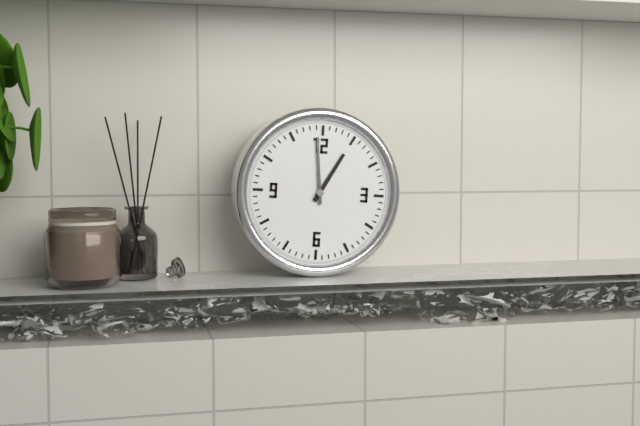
12:59
